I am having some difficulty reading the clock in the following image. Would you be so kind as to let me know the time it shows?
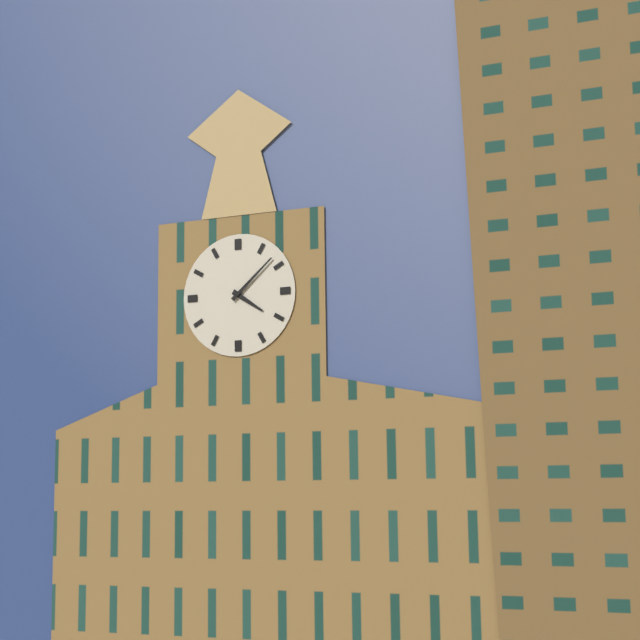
4:08
